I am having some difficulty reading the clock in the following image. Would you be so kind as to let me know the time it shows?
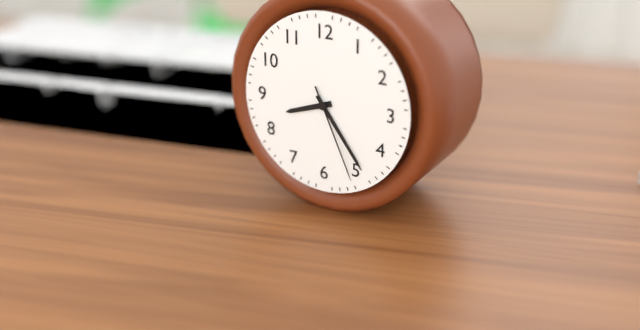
8:24:26
